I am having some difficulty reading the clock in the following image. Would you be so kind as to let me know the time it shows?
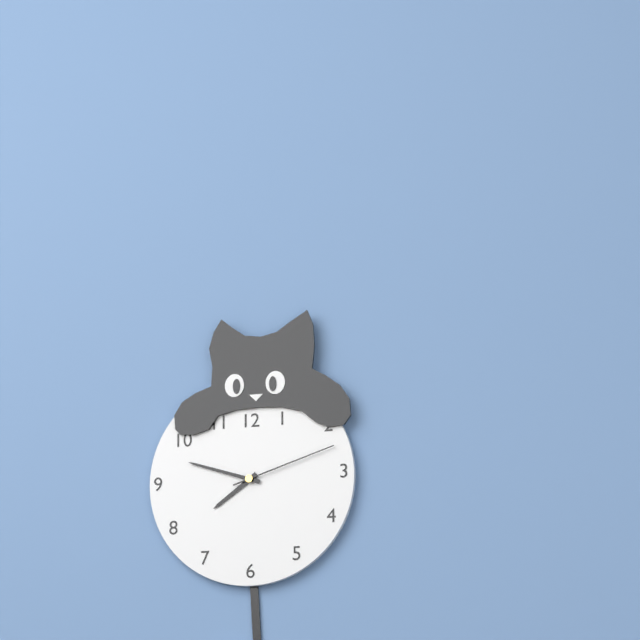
7:48:12
